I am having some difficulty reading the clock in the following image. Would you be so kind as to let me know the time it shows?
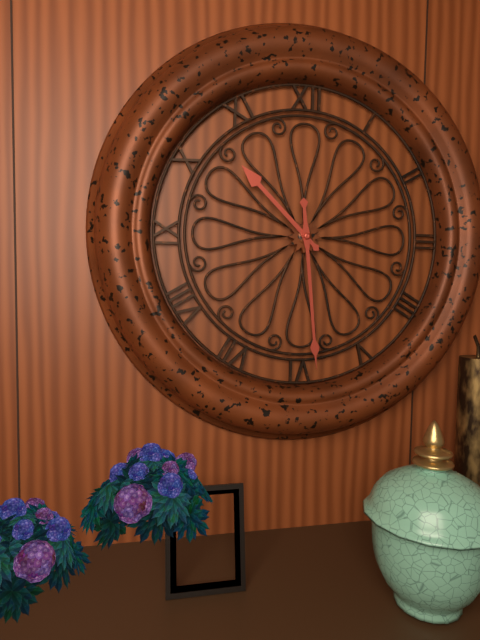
10:29
